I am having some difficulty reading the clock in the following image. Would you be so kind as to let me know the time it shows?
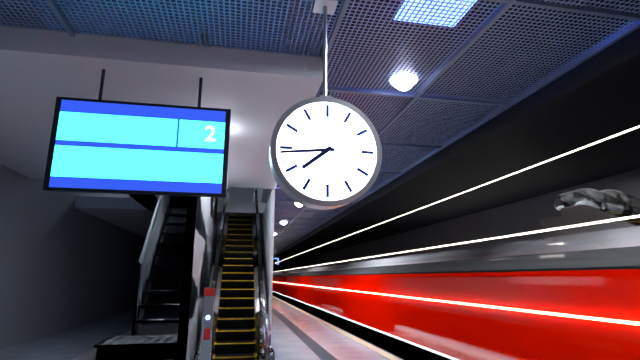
7:44
